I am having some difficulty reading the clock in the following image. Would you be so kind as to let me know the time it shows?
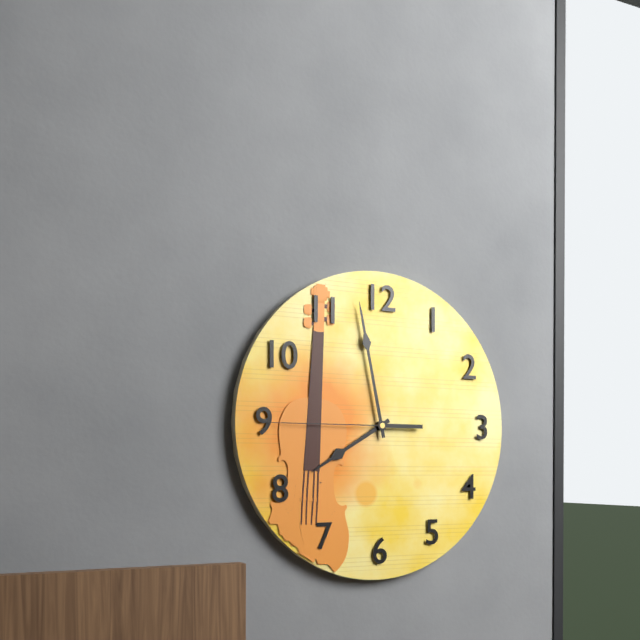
7:58:45
